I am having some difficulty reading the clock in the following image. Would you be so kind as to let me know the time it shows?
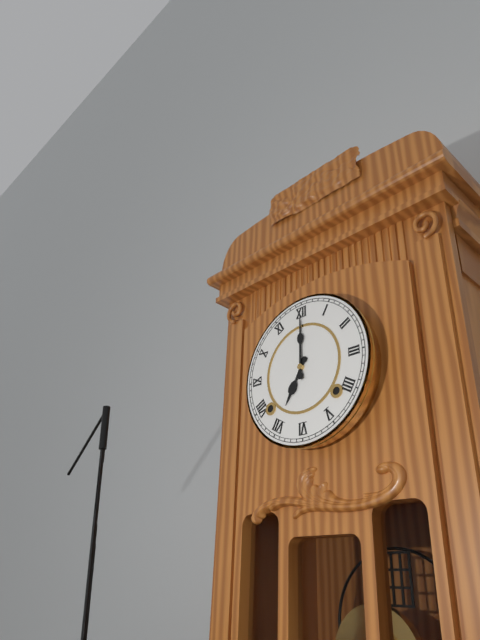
7:00
